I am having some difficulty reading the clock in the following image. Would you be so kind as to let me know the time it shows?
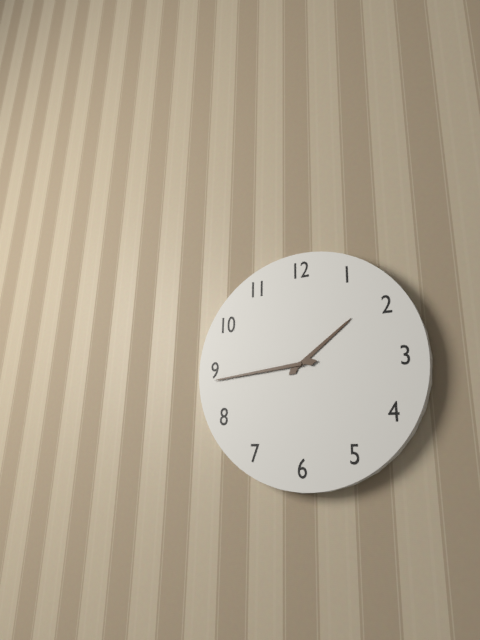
1:44
